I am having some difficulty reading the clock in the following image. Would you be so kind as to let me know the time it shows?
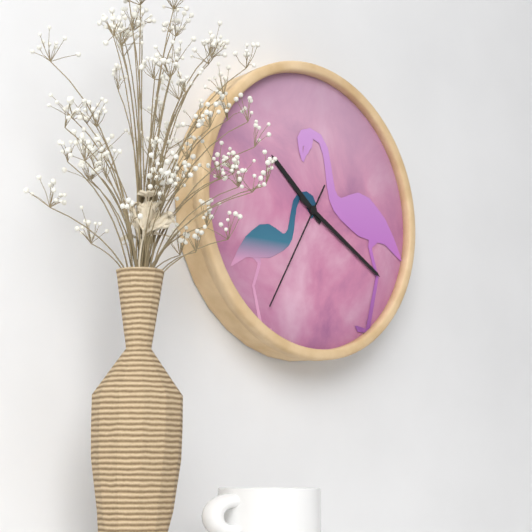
10:20:35
